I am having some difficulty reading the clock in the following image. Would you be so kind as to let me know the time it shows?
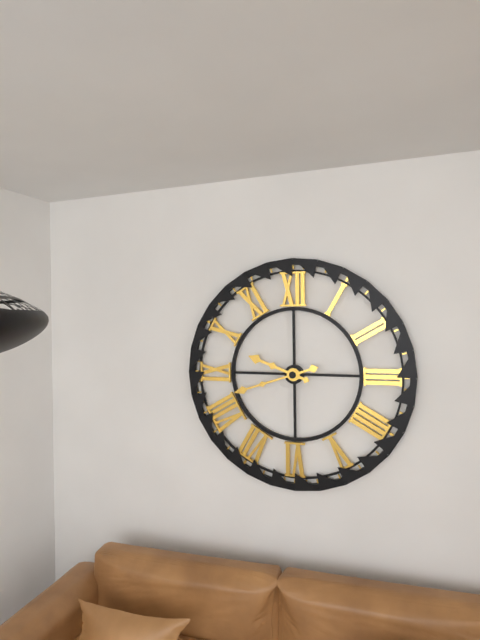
9:42
